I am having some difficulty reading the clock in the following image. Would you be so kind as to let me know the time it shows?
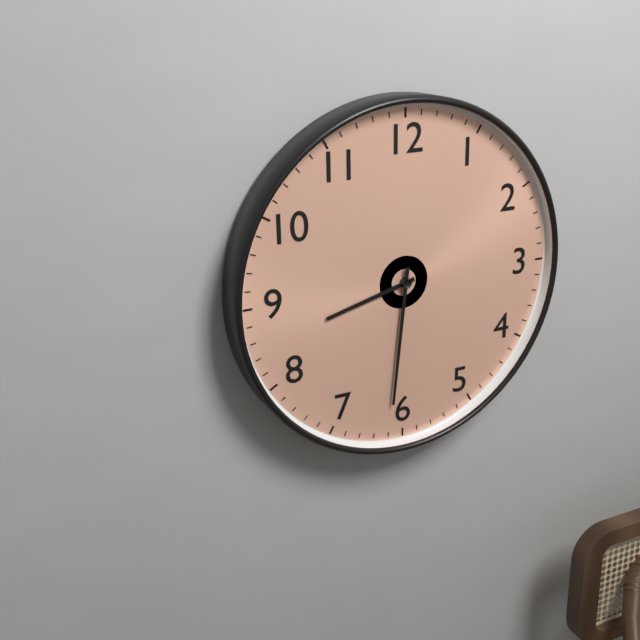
8:31
